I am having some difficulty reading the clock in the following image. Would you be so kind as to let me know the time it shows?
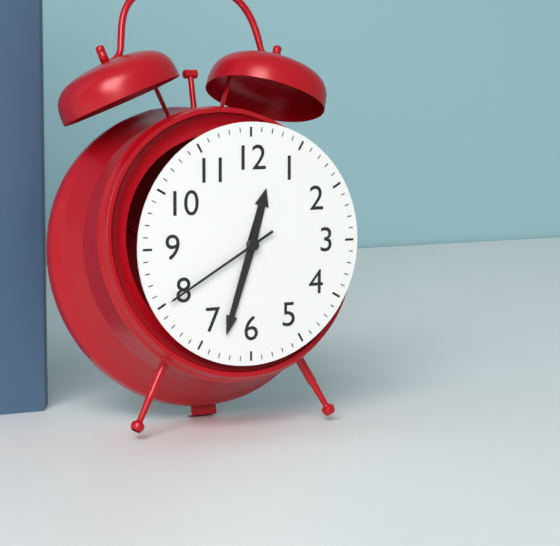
12:33:40
